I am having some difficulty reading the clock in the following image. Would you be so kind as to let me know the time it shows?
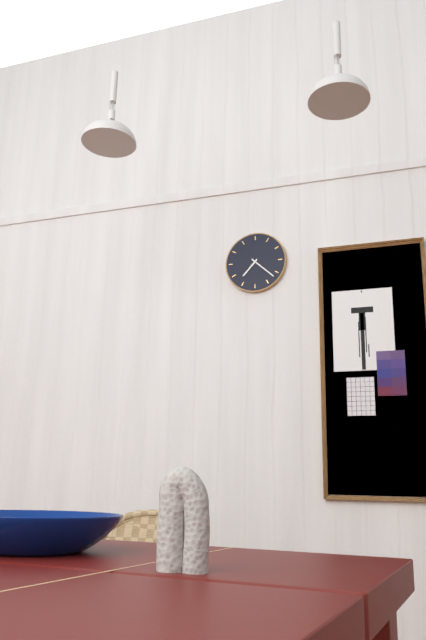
7:22
